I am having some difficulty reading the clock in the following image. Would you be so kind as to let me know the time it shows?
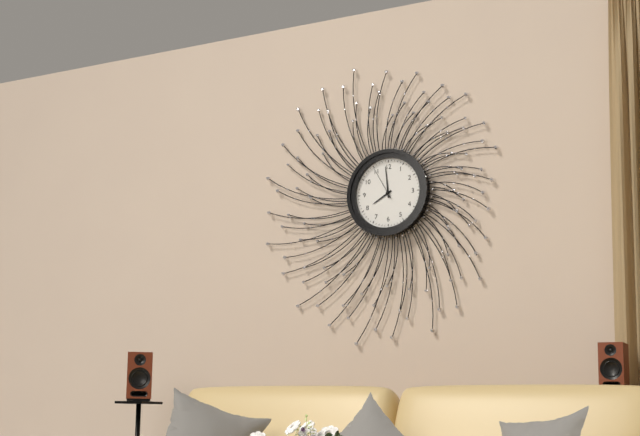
7:59
